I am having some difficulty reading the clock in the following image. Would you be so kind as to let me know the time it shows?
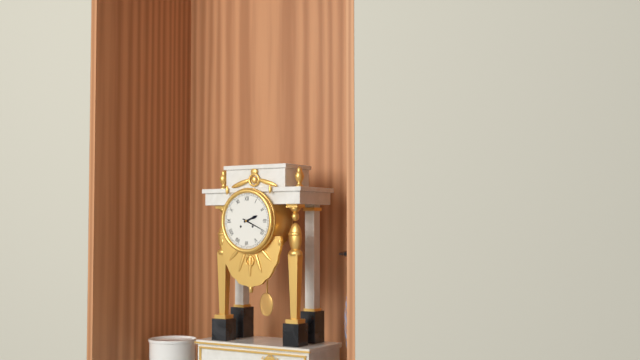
2:19
